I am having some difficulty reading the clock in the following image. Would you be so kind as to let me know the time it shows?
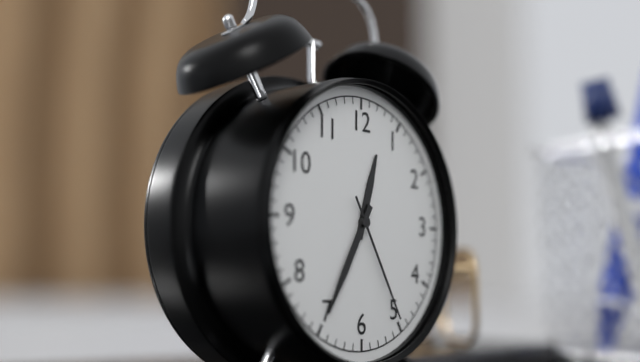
12:35:25
